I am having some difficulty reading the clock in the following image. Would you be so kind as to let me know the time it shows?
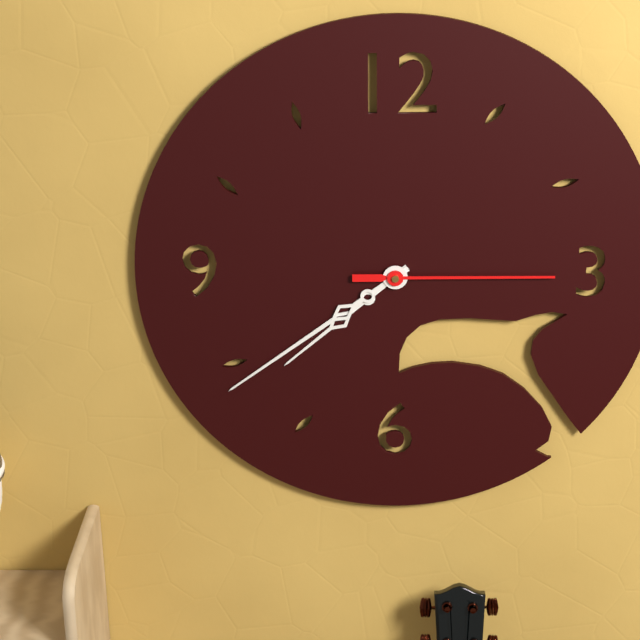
7:39:15
